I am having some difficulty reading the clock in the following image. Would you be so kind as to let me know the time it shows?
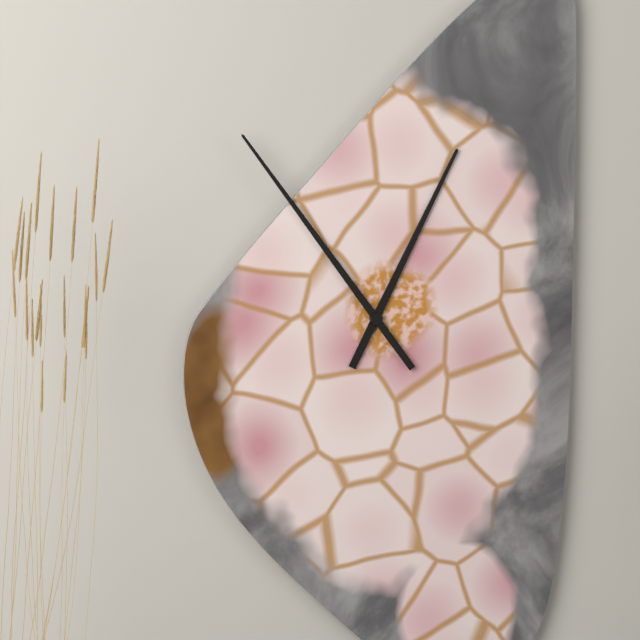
12:54
